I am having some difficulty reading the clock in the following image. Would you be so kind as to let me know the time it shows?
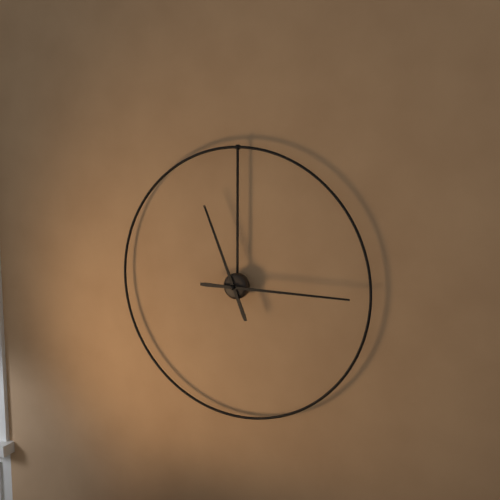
11:15
